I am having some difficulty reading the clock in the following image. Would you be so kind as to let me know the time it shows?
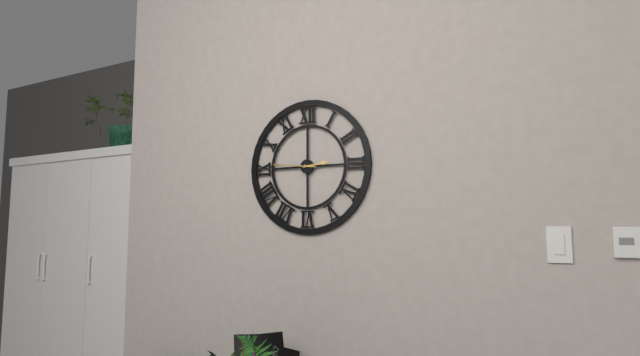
2:46
